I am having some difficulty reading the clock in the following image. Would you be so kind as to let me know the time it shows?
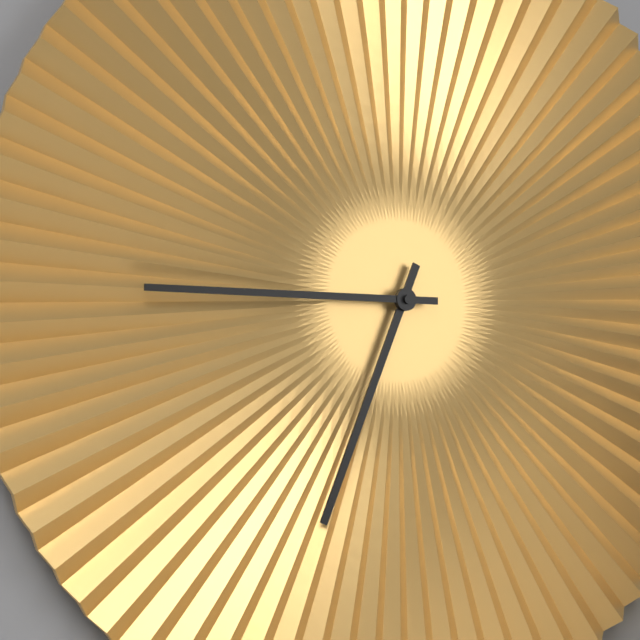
6:45
